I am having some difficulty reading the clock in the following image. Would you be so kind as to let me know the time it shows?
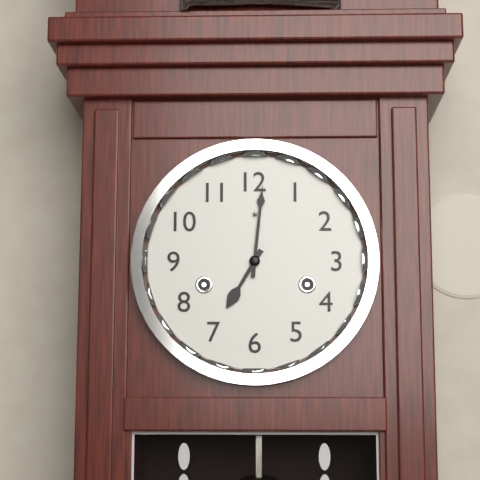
7:01
